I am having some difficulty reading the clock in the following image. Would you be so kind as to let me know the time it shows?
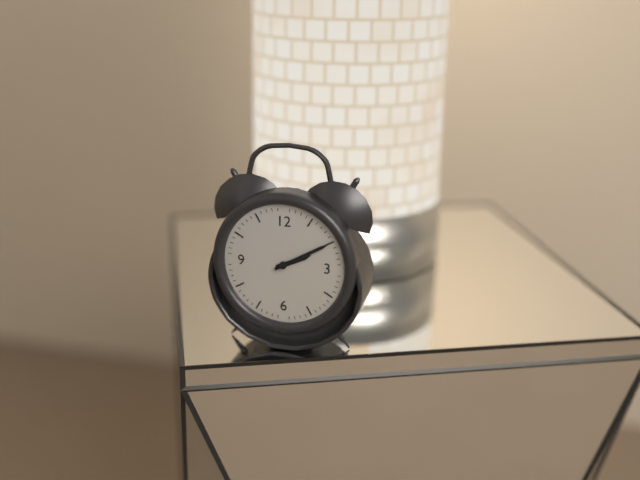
2:10
